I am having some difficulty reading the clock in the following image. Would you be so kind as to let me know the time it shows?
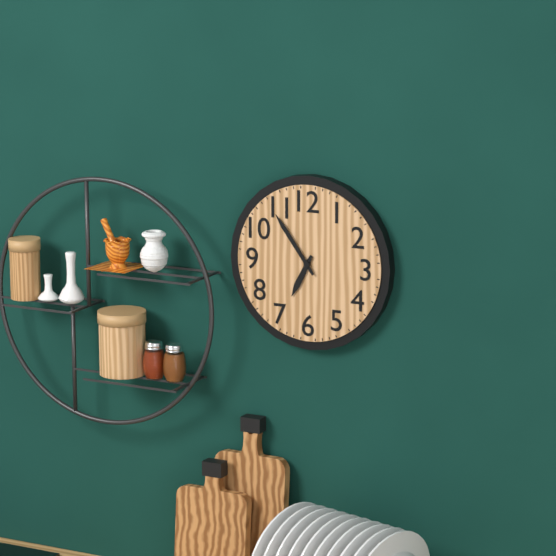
6:54
